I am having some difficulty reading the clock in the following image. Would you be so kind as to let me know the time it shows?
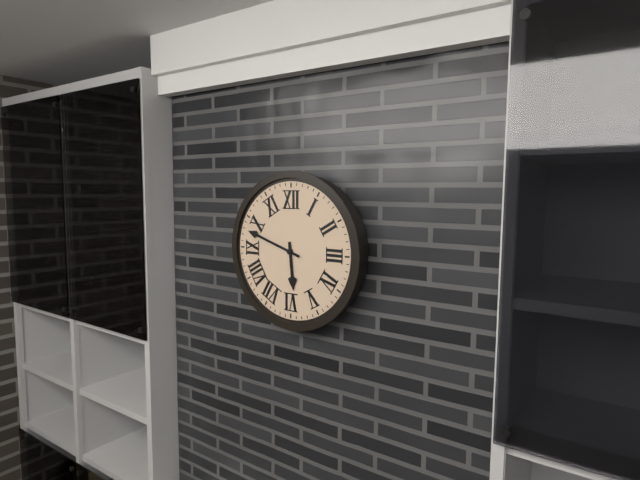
5:48
